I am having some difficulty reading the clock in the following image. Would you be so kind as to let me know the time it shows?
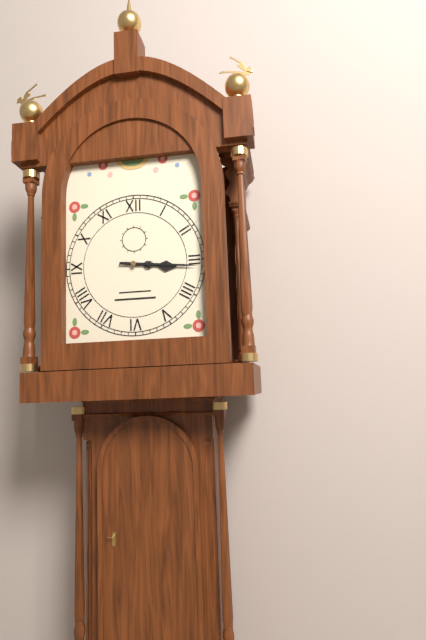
3:16
